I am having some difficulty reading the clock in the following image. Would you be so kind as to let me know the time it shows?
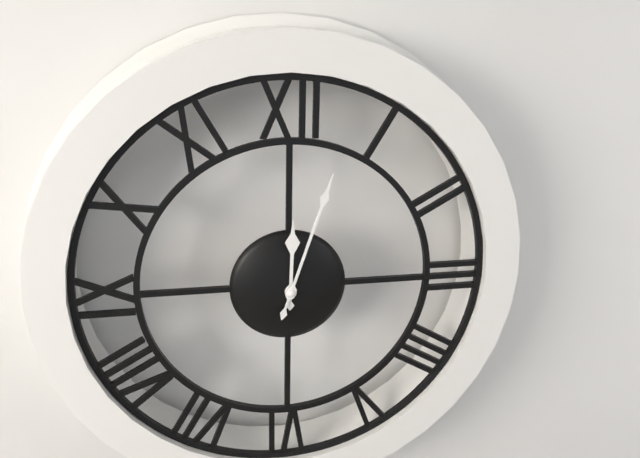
12:03
